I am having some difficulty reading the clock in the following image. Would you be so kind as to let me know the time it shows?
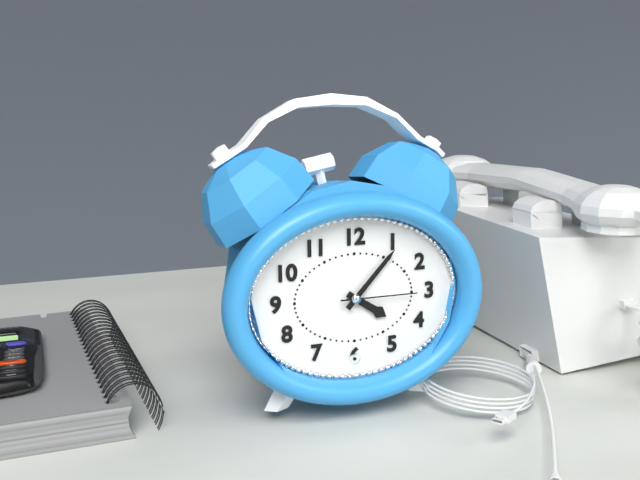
4:07:15
